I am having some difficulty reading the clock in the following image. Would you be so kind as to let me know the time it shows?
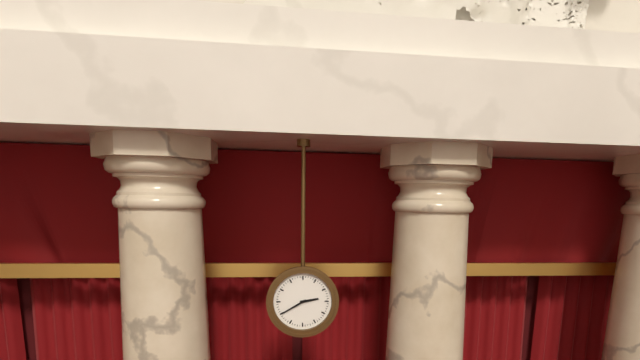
2:40
